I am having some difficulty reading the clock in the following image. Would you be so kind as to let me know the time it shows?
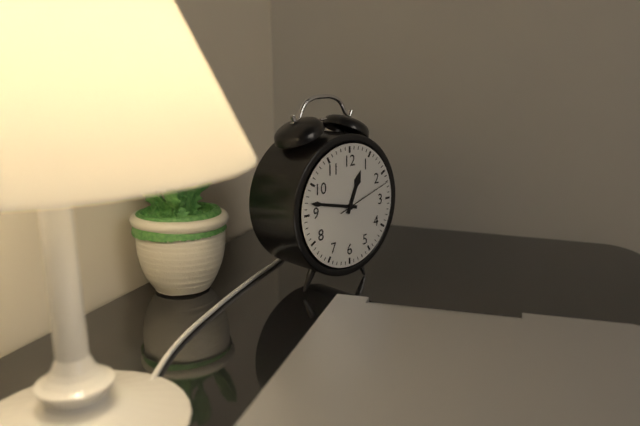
12:47:12
